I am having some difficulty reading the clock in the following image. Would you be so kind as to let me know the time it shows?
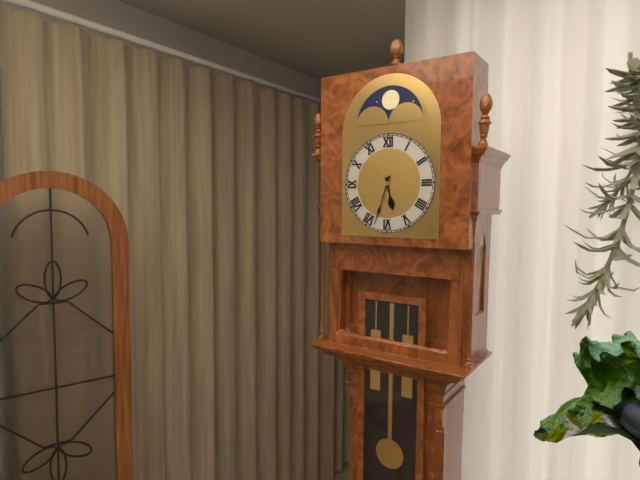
5:33
